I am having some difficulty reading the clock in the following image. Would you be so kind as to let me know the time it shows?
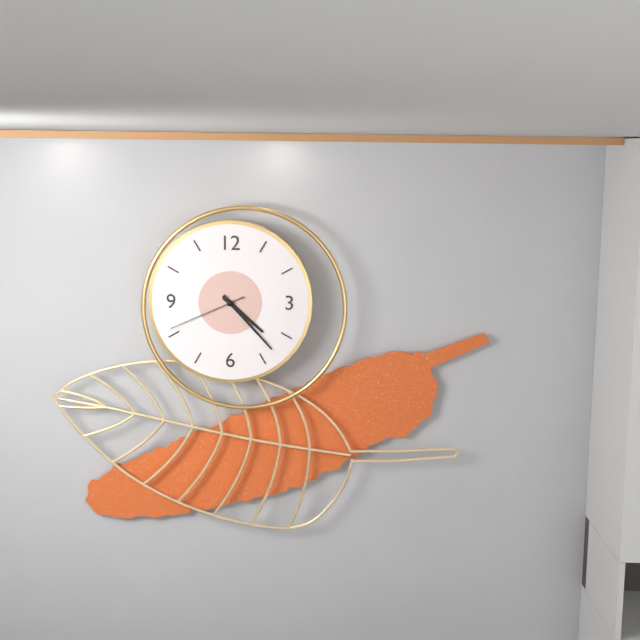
4:23:41
